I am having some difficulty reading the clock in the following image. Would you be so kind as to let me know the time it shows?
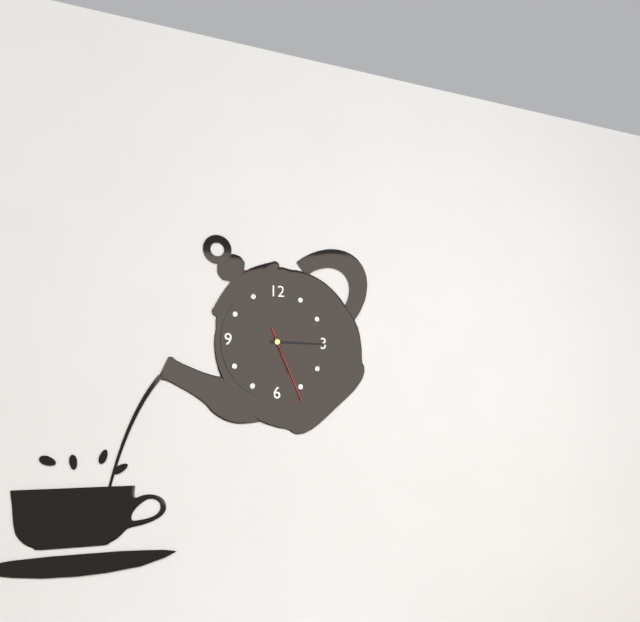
5:15:26
